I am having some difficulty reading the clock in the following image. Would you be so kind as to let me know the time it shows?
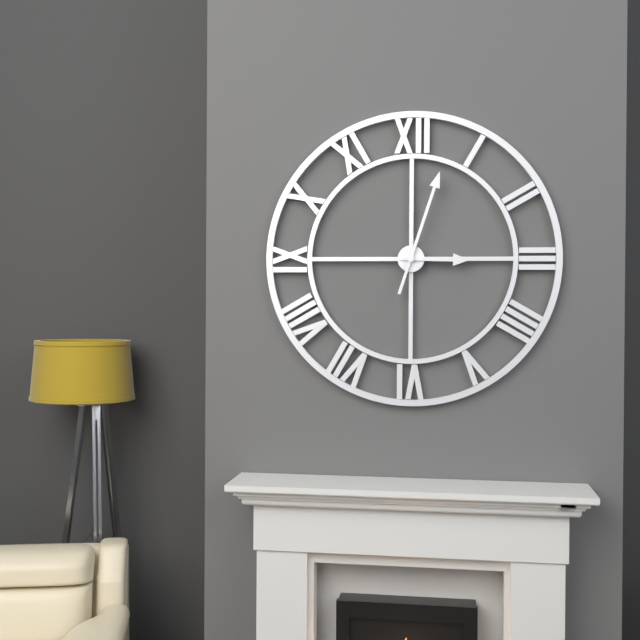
3:03
